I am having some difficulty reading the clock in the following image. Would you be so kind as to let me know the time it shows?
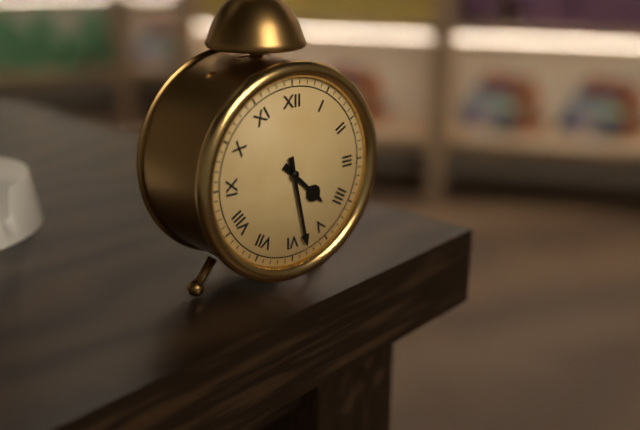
4:28
